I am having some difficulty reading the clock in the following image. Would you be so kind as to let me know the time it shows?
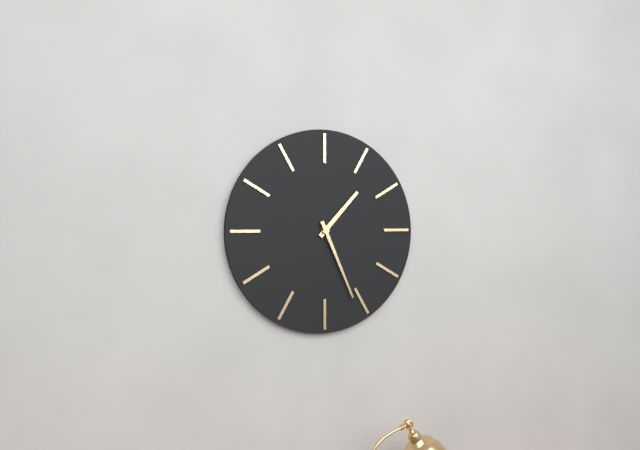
1:26
